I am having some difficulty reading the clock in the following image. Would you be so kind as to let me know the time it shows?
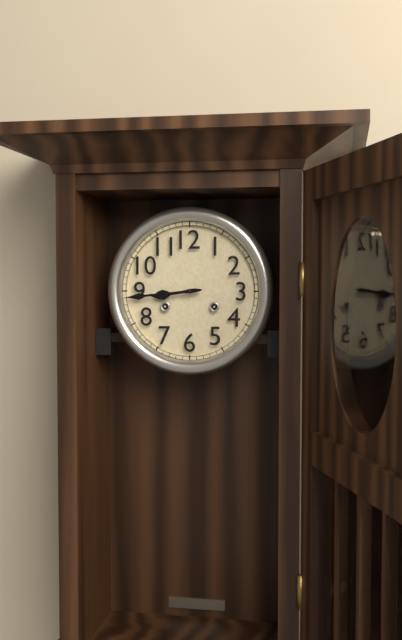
8:44
